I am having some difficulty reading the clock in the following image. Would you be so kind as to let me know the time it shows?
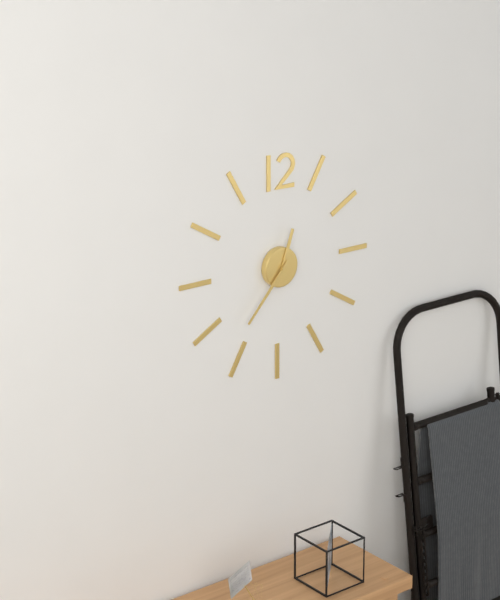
12:37
